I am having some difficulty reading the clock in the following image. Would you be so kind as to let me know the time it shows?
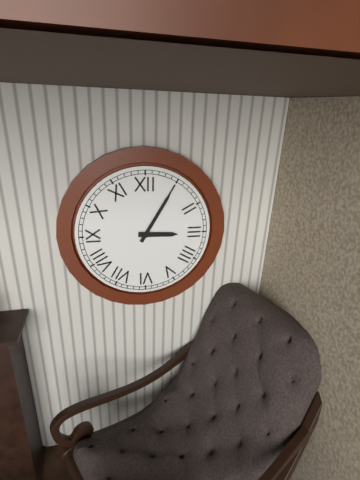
3:05
